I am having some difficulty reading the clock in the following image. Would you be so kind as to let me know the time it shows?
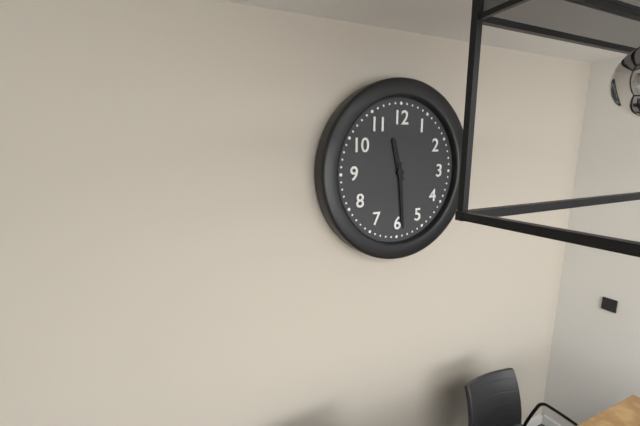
11:29
